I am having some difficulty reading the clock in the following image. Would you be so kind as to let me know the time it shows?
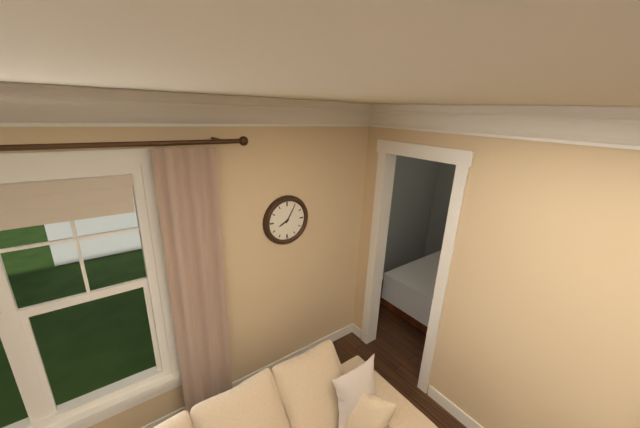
8:05
